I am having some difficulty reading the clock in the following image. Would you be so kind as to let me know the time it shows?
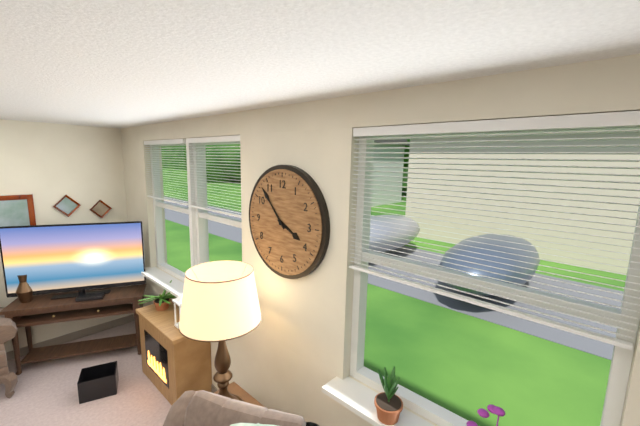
3:53
